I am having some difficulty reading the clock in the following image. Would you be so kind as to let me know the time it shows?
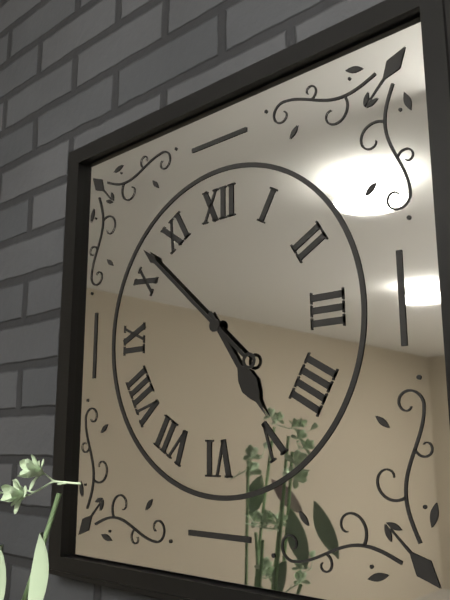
4:52
